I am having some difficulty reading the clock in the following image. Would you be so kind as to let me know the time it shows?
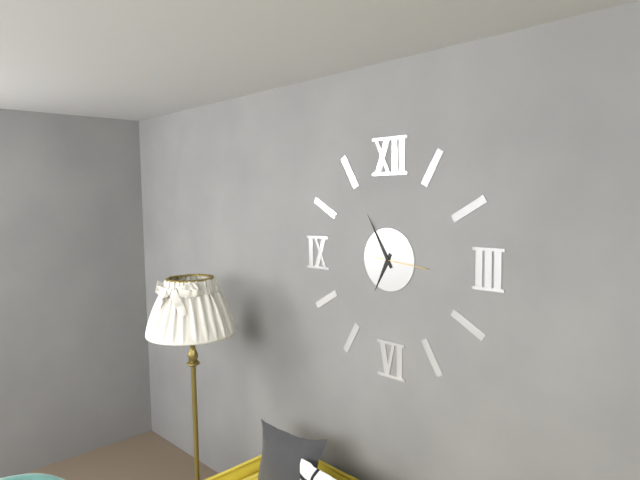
6:55:16
